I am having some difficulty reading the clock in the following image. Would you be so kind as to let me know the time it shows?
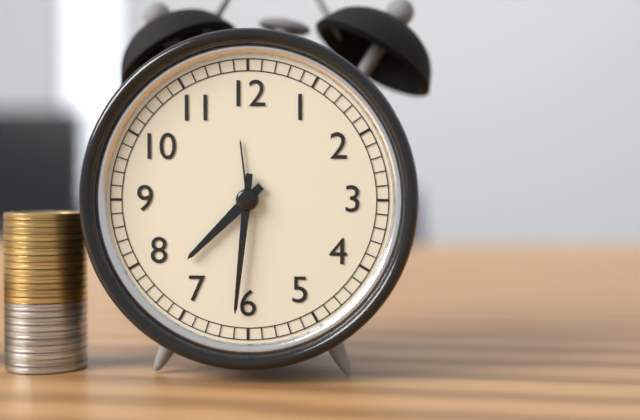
7:31
